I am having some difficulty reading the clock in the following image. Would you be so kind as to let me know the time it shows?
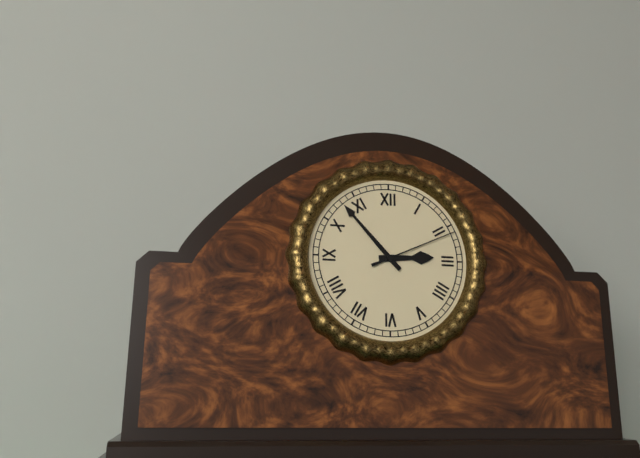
2:53:11
